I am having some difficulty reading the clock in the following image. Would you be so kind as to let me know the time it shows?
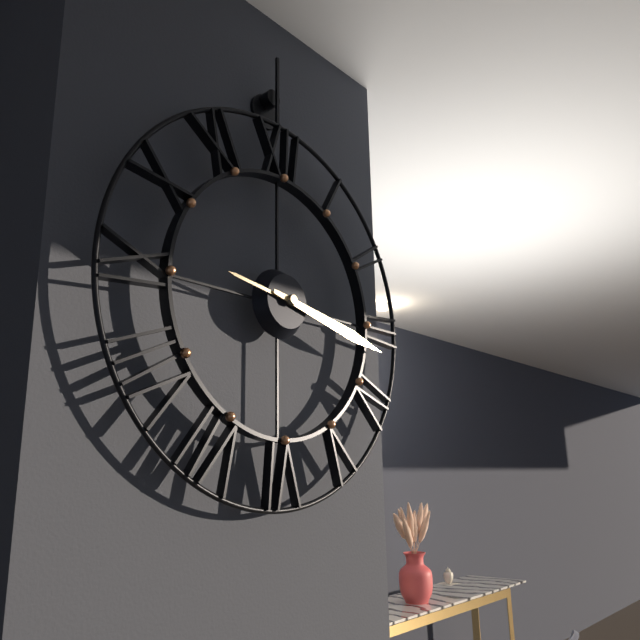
9:17
